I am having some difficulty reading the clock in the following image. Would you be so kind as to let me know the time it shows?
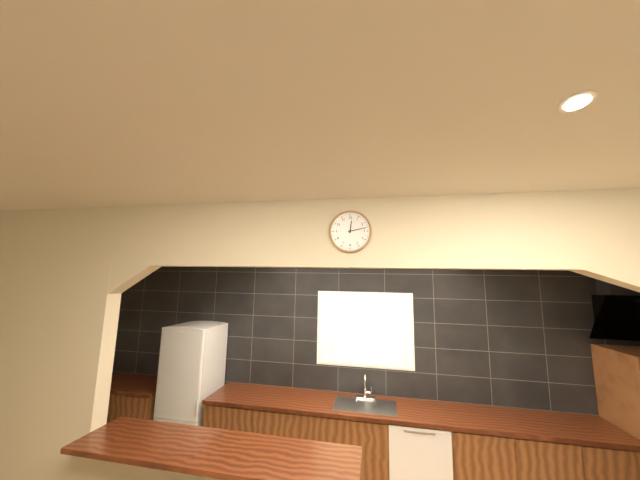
12:13
